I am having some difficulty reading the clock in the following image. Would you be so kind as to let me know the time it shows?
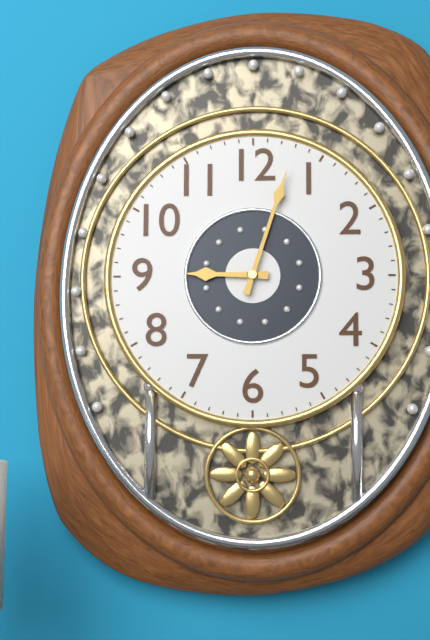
9:03
